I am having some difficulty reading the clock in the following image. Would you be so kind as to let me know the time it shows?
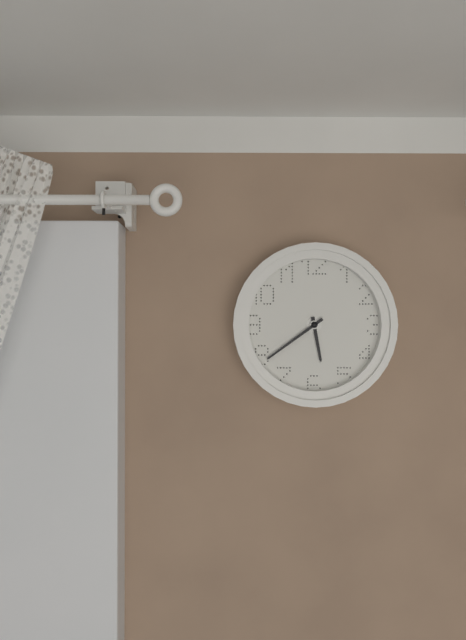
5:39
